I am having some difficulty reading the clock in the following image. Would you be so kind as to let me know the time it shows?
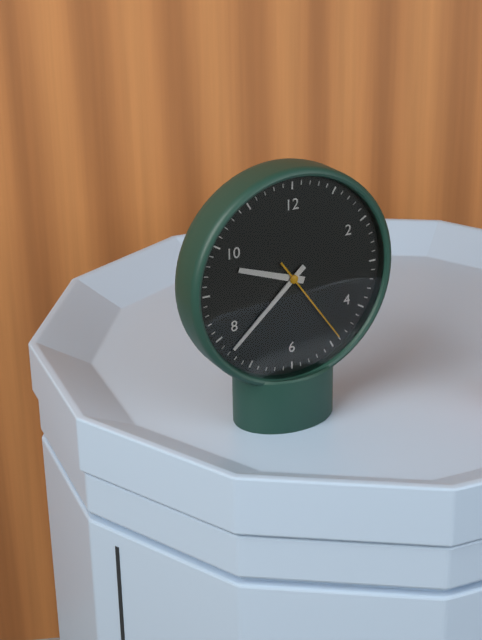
9:38:24
